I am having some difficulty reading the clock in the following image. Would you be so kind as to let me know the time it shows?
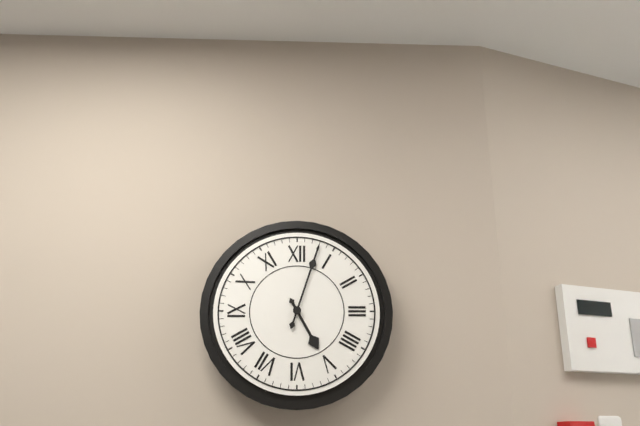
5:03
